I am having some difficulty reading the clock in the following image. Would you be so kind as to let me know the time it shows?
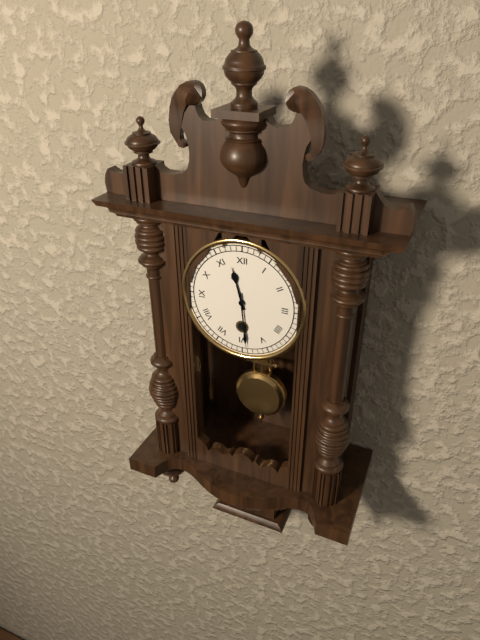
11:29
